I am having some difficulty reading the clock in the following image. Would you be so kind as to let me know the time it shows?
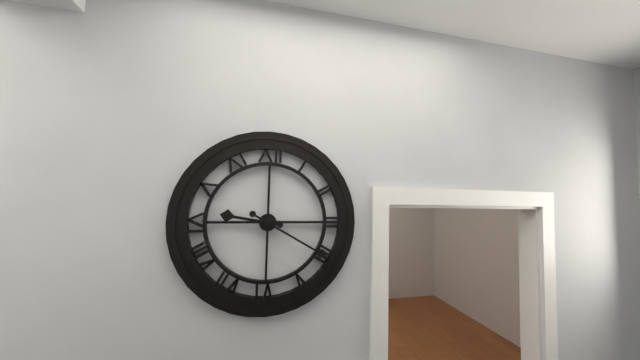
9:20
